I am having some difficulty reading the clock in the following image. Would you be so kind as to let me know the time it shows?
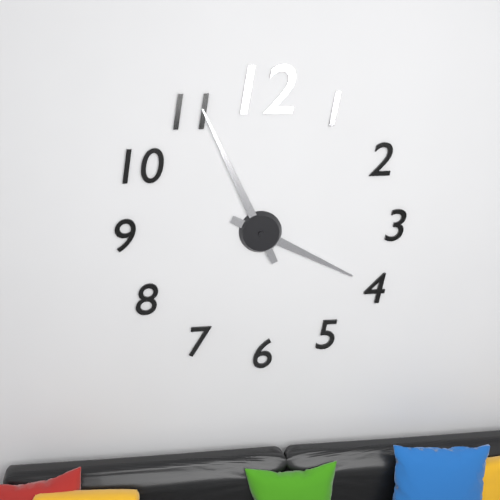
3:56
